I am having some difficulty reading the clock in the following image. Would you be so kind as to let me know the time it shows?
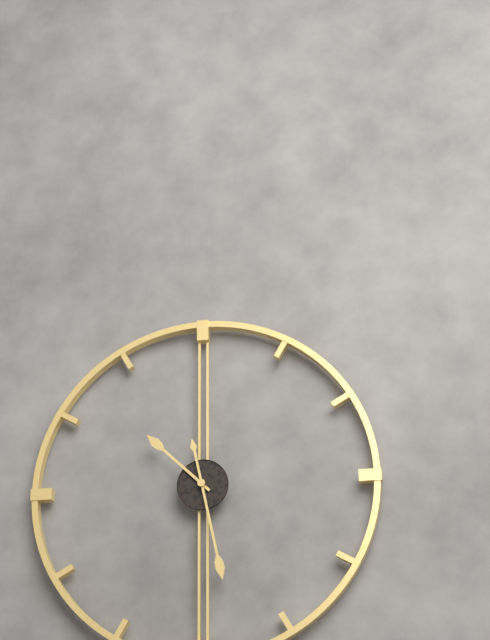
10:28
